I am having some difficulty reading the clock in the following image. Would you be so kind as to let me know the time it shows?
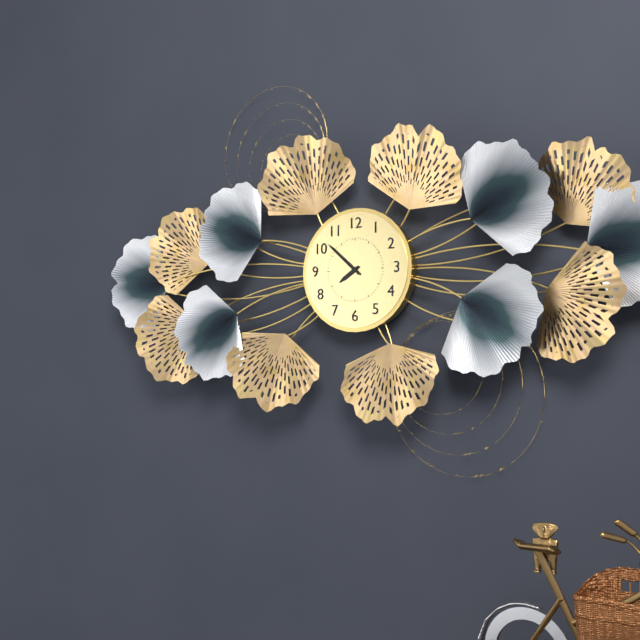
7:52
